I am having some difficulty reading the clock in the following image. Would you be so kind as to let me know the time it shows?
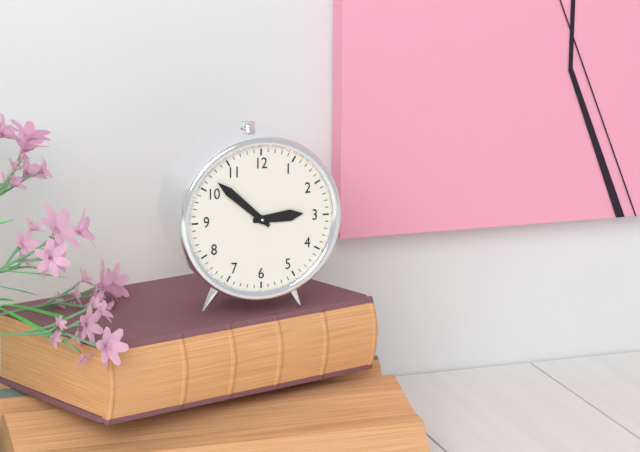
2:52
